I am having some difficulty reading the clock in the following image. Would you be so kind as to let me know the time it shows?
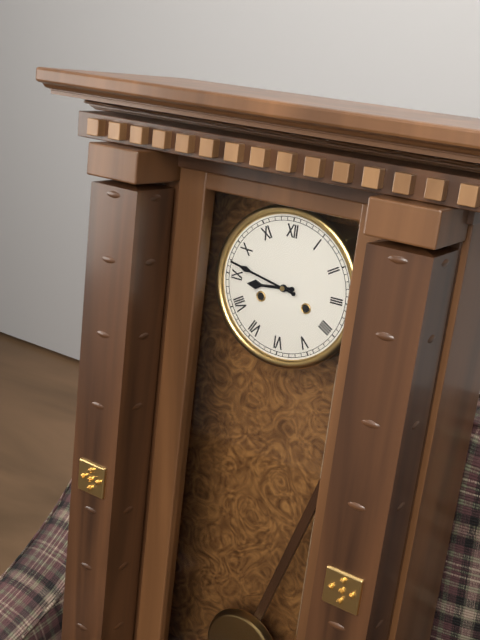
8:47
